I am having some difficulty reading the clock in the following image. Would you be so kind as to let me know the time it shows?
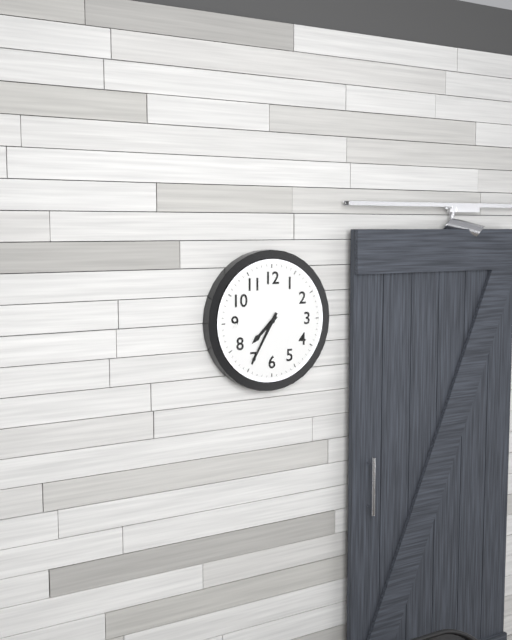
7:35
